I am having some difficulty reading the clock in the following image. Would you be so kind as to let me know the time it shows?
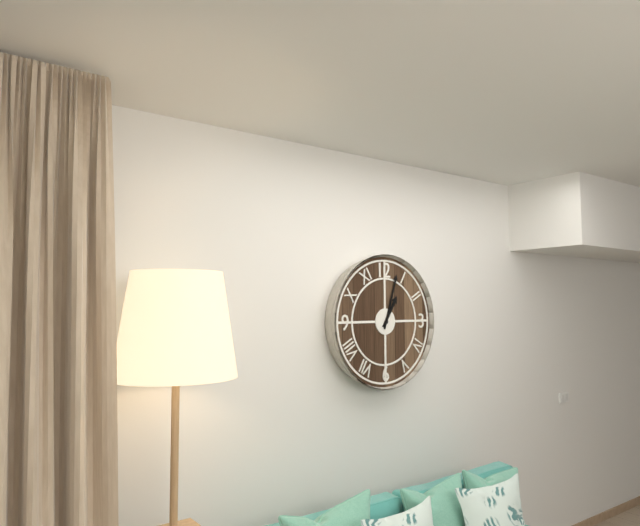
1:03
